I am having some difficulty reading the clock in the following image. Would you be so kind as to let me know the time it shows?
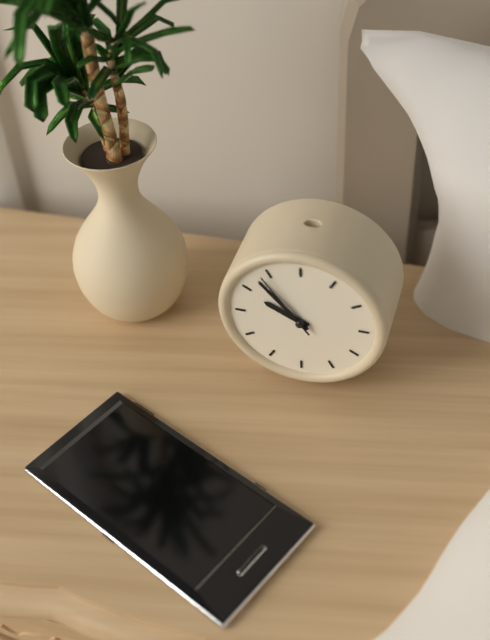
9:53:54
